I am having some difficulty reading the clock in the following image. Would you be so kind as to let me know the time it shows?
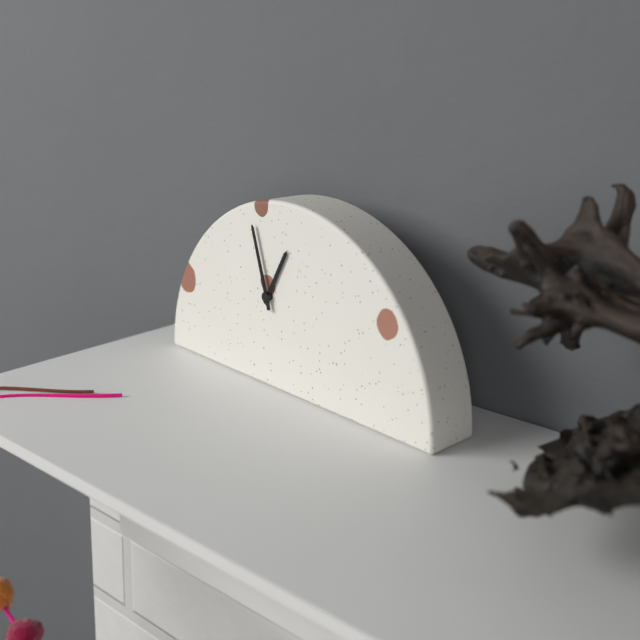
12:57
